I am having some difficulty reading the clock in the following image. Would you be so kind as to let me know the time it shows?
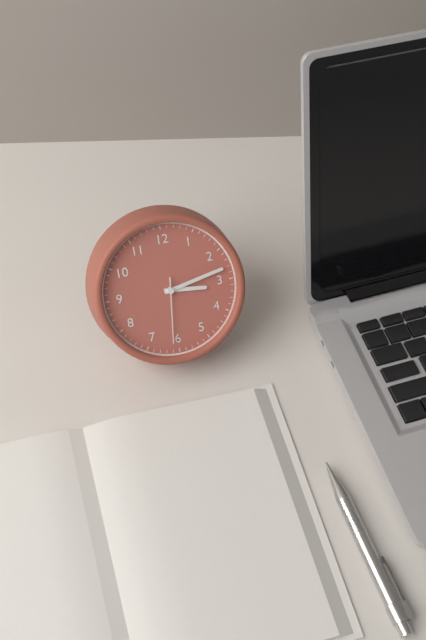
3:13:31
